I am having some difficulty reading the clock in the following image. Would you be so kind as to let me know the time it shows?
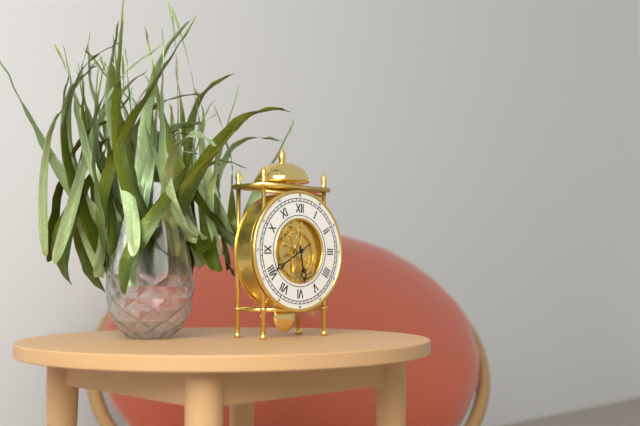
5:40
